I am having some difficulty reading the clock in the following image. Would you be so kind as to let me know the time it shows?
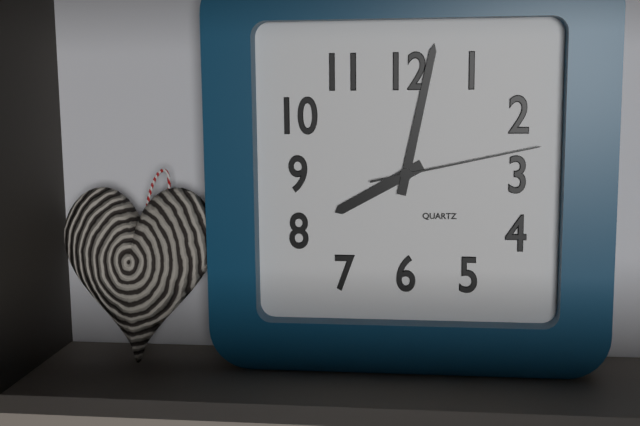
8:02:13
